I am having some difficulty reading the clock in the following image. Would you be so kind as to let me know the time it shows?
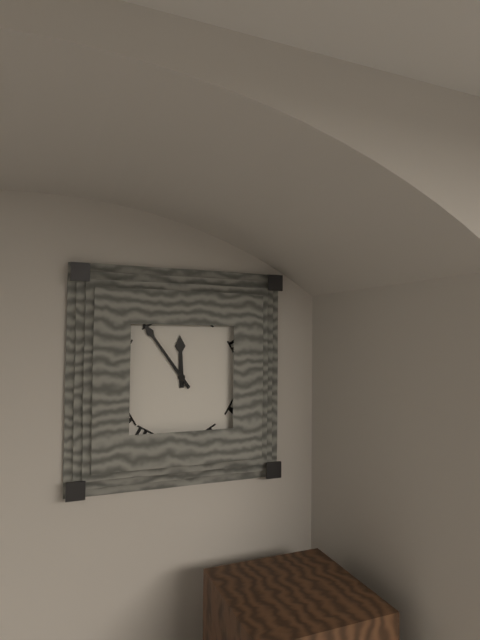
11:54
